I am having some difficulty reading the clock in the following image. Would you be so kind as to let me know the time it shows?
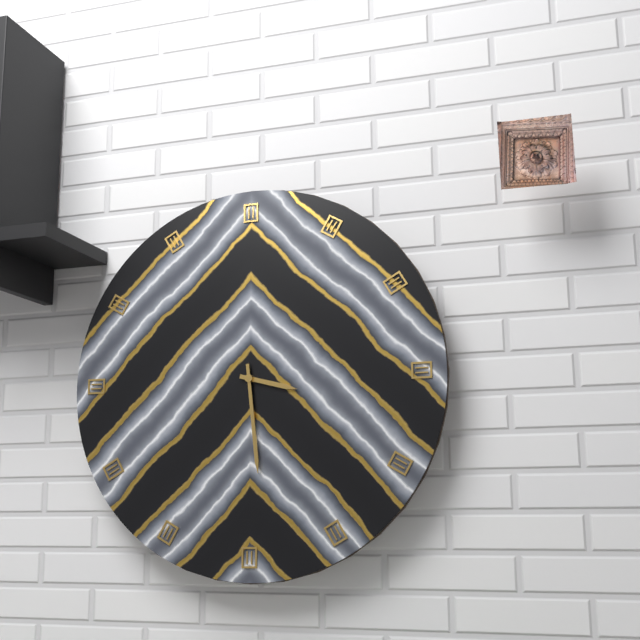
3:29
